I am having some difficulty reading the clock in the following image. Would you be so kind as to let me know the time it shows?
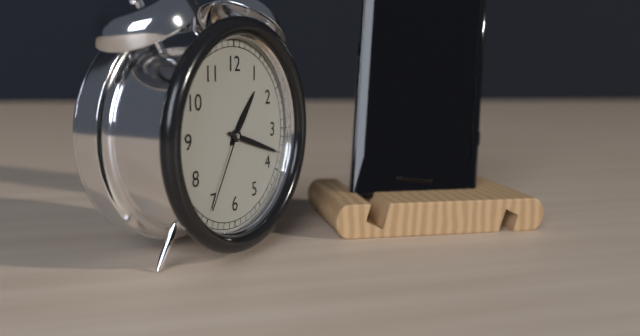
1:18:35
